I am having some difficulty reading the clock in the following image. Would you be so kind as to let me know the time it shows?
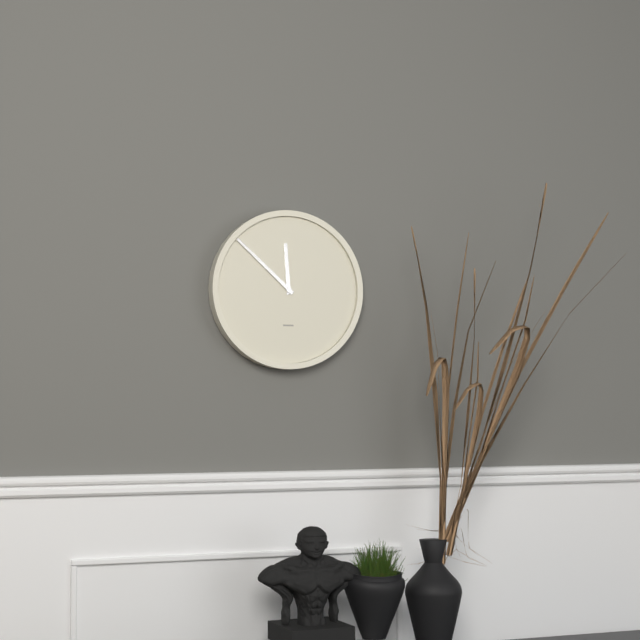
11:52
